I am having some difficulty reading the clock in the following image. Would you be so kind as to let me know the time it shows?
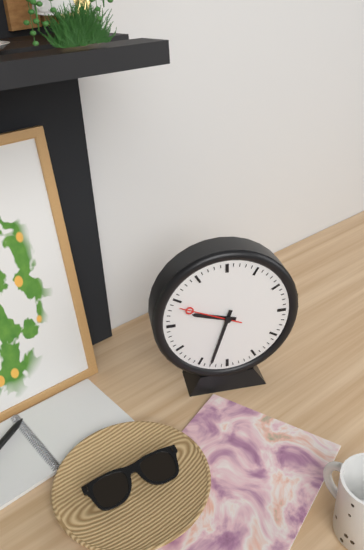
9:33:49
